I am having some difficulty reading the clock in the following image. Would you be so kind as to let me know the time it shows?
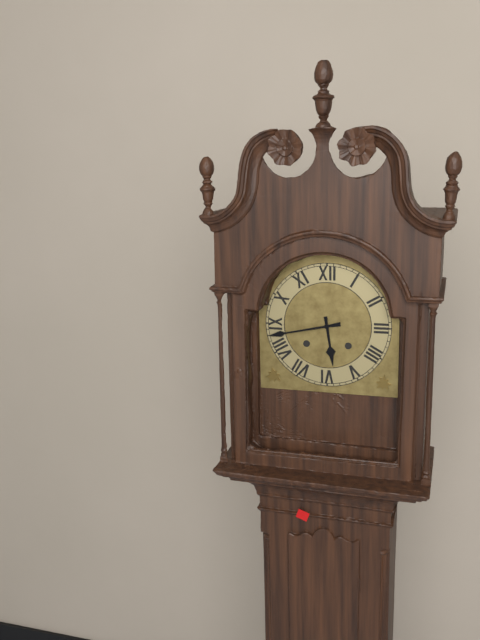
5:43
